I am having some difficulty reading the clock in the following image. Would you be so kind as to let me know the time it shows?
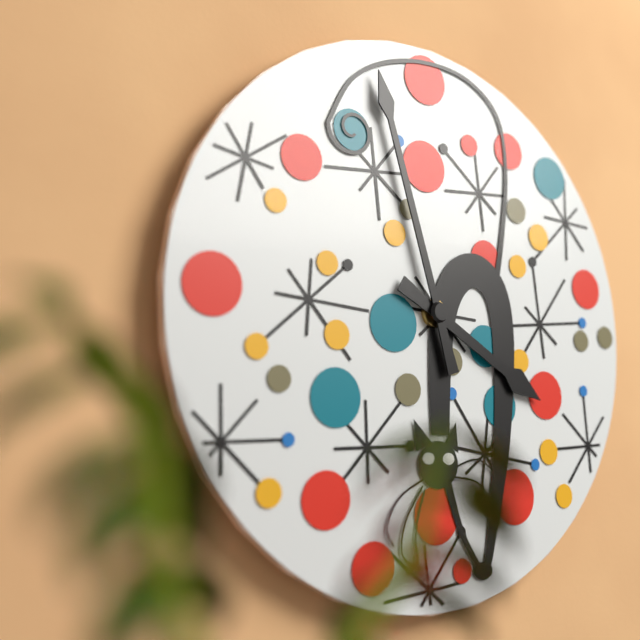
3:57
